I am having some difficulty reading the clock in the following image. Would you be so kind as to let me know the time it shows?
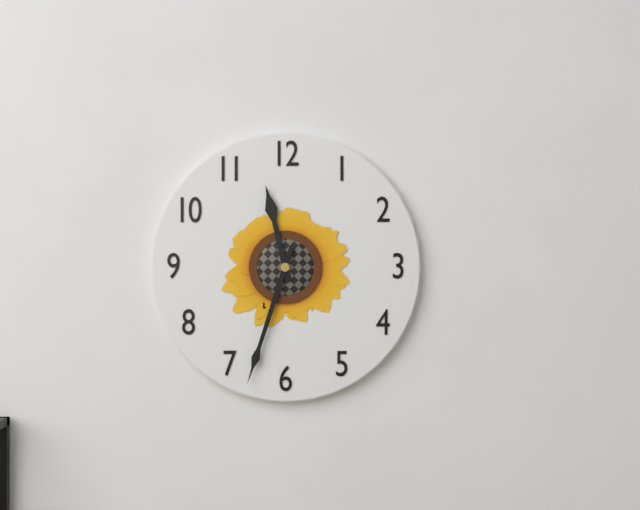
11:33
